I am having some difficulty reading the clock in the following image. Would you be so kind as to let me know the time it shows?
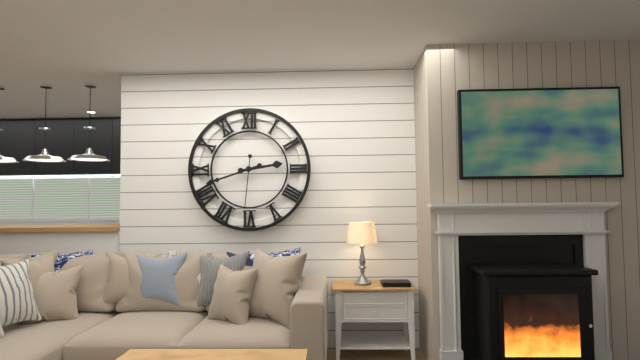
2:42
